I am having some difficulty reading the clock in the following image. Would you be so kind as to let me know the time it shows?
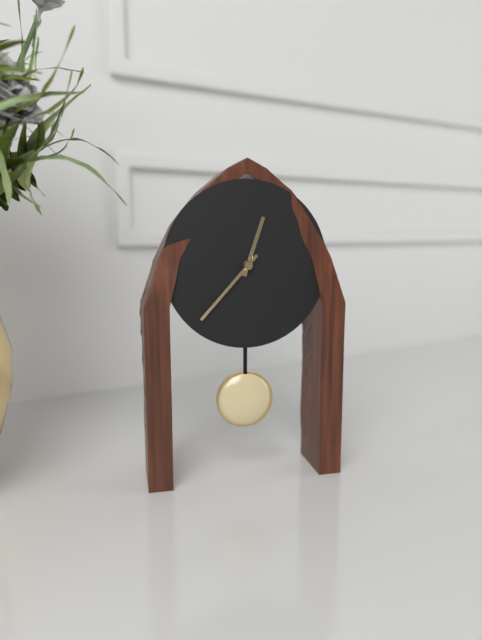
12:37
